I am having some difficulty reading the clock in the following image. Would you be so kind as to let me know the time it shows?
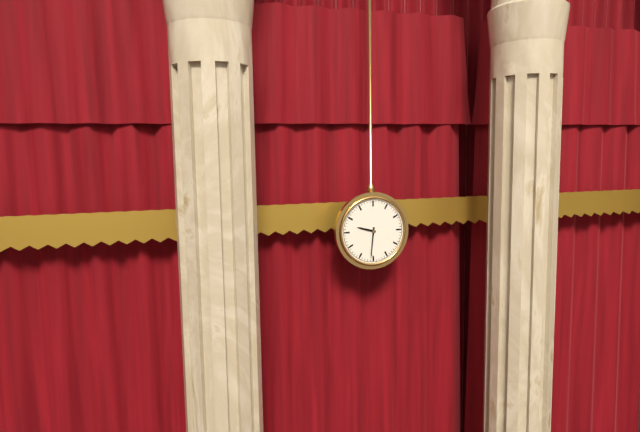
9:31
